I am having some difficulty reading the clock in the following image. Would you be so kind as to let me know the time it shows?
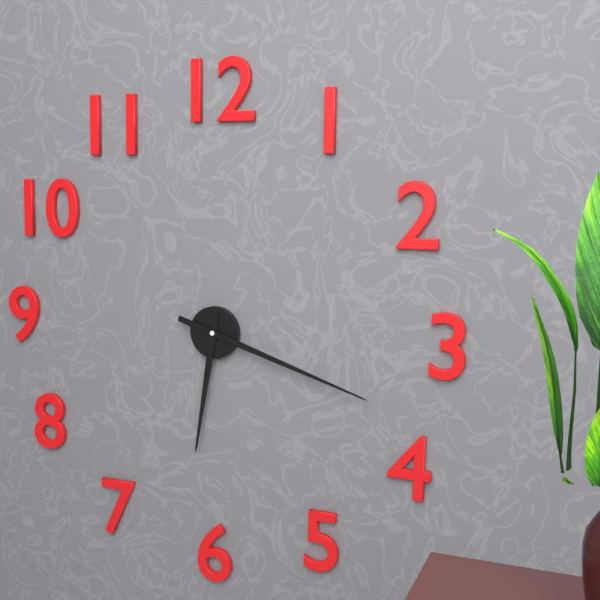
6:18
